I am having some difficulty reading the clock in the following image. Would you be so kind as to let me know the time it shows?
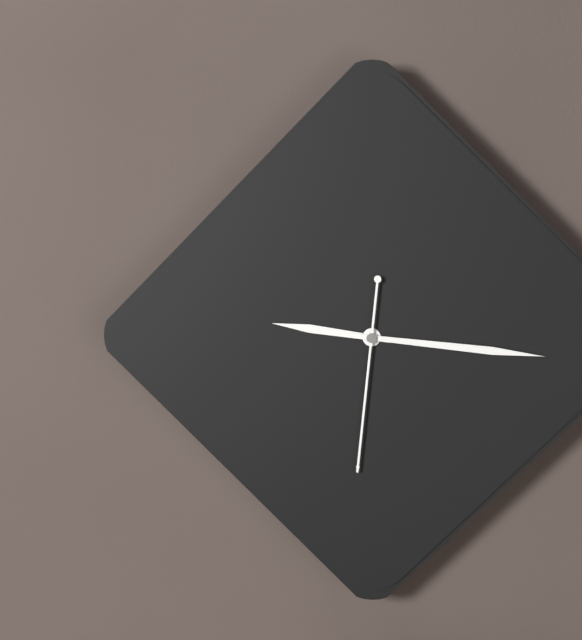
9:16:31
